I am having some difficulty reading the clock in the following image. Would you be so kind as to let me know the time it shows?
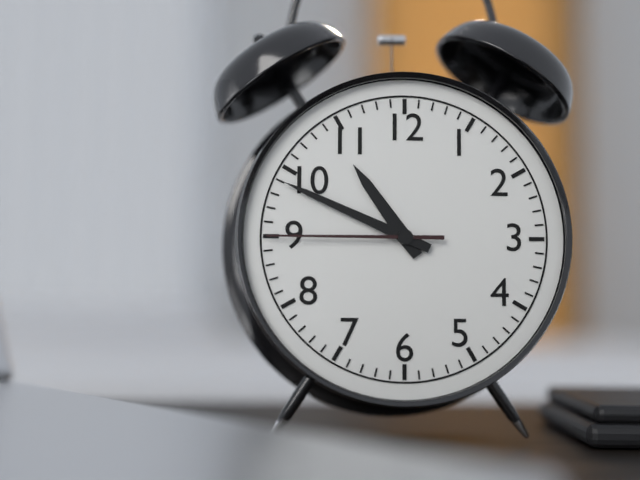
10:49:45
